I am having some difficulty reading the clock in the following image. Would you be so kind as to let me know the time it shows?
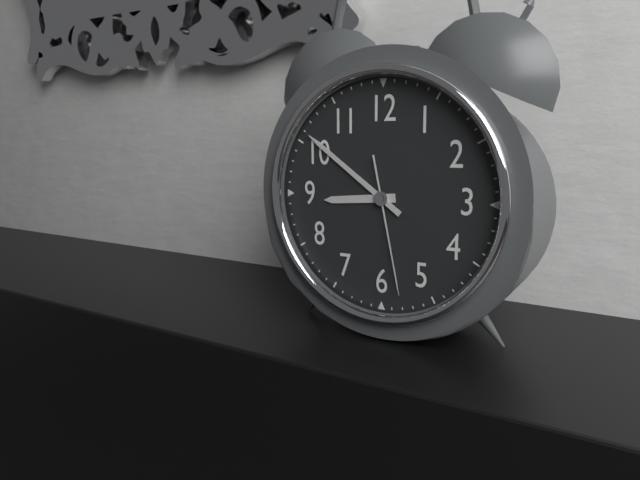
8:51:28
